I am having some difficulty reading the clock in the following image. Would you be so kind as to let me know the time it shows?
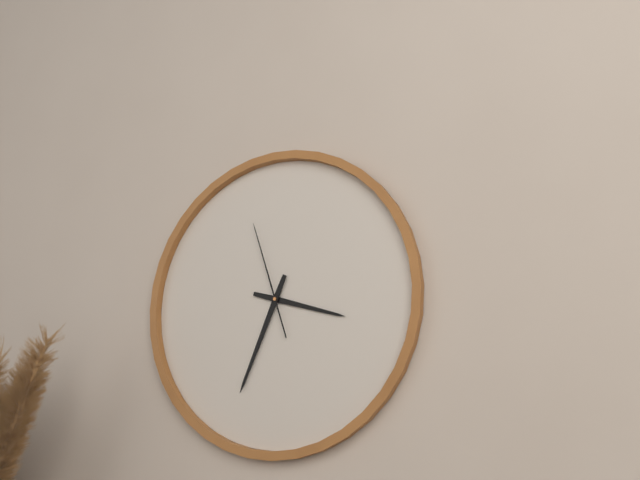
3:34:57
